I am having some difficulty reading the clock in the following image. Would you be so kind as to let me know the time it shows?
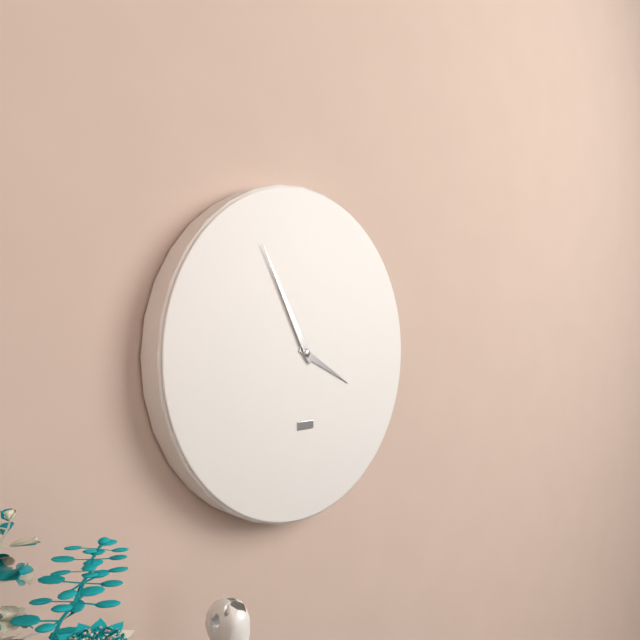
3:55
